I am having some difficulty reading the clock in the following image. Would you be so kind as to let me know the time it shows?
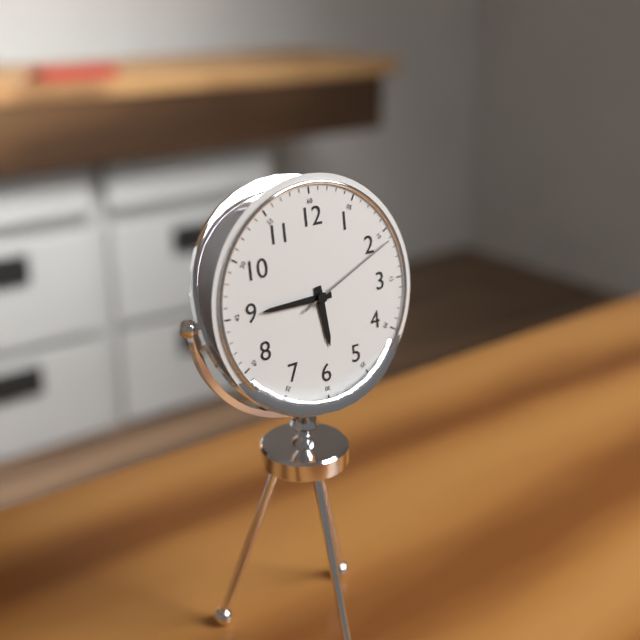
5:45:11
